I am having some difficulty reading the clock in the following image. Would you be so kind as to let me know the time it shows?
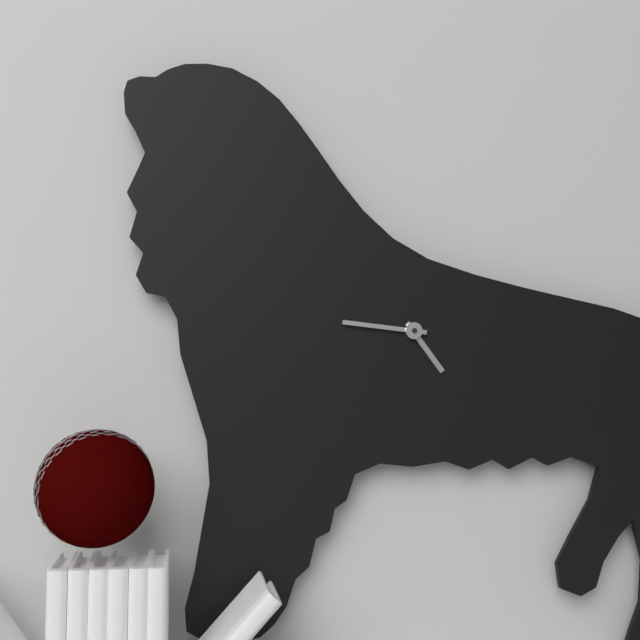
4:46
